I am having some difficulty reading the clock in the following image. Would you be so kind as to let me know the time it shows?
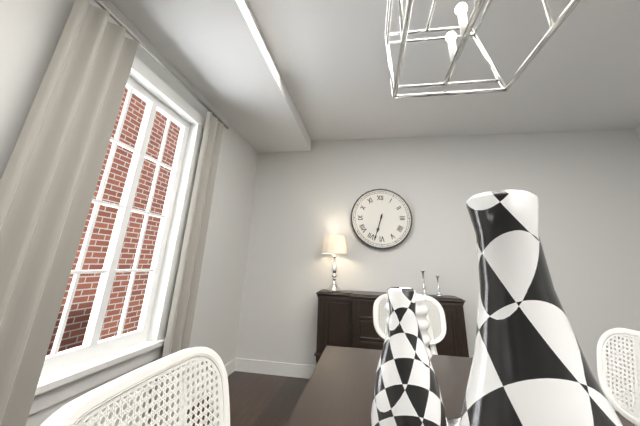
6:33
